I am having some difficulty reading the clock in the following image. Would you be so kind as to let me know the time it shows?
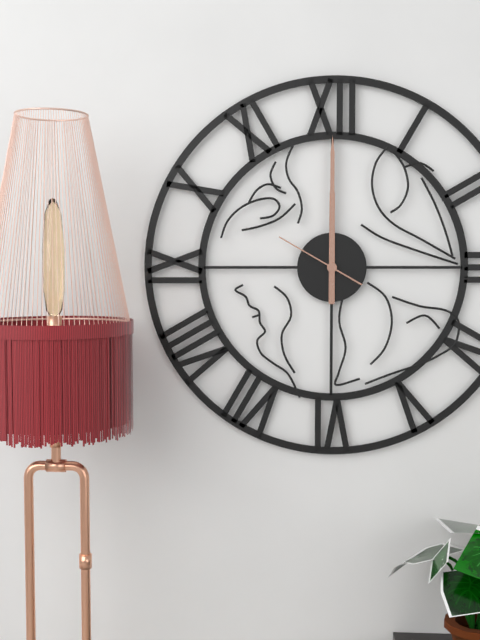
12:00:50
